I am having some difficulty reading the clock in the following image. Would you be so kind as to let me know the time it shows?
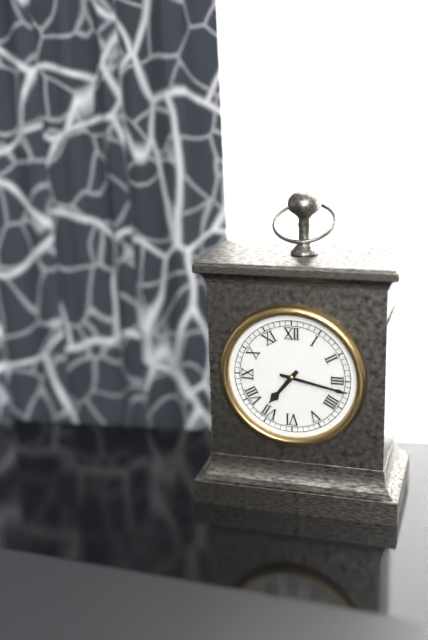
7:17
